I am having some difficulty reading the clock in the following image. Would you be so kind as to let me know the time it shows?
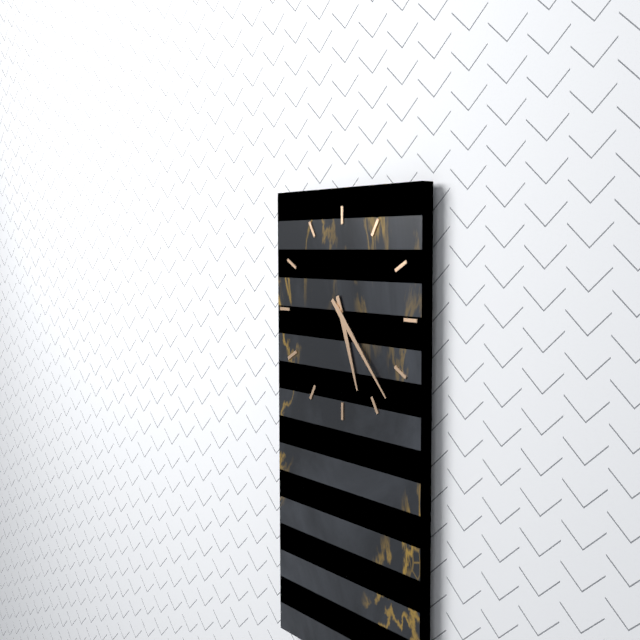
5:23
